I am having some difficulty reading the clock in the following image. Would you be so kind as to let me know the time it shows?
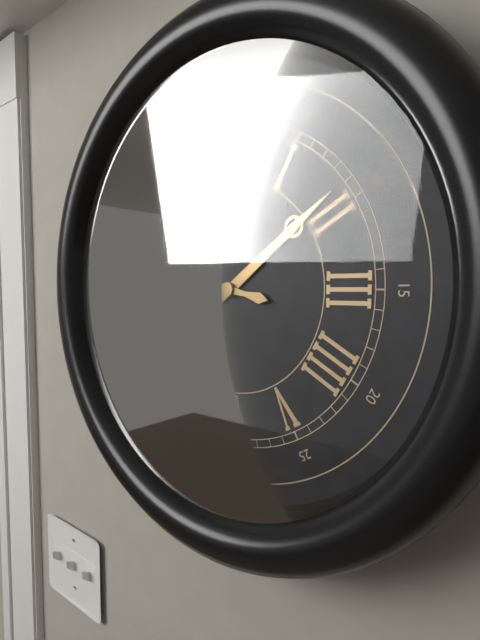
1:47
